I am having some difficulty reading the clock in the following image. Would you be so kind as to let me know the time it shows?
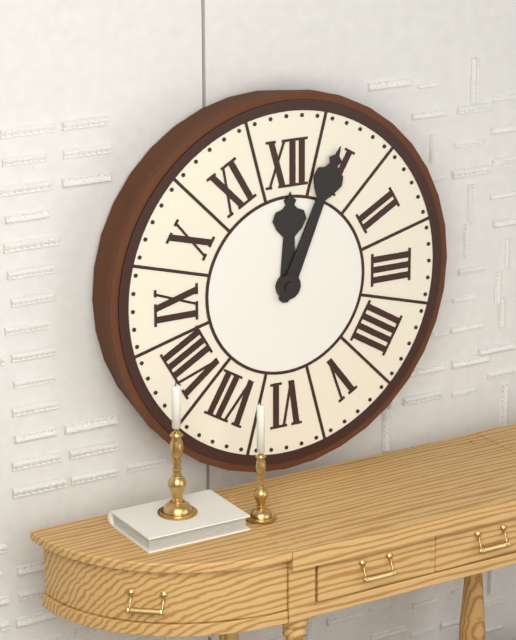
12:04
